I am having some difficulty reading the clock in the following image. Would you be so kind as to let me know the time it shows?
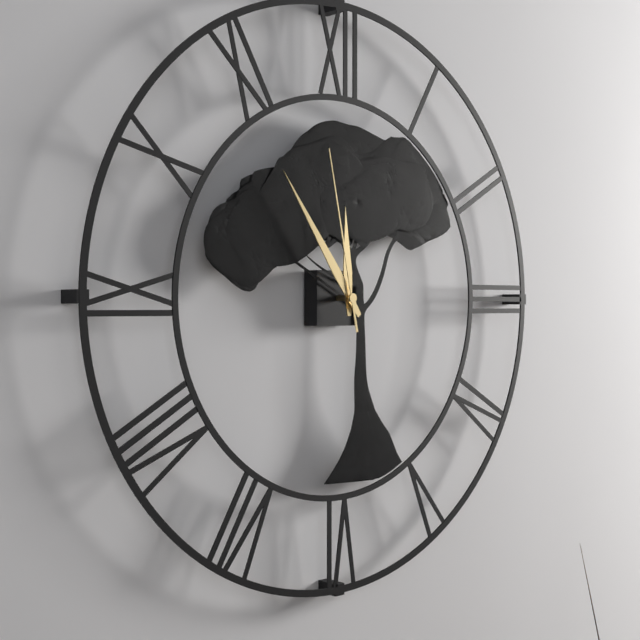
11:54:58
